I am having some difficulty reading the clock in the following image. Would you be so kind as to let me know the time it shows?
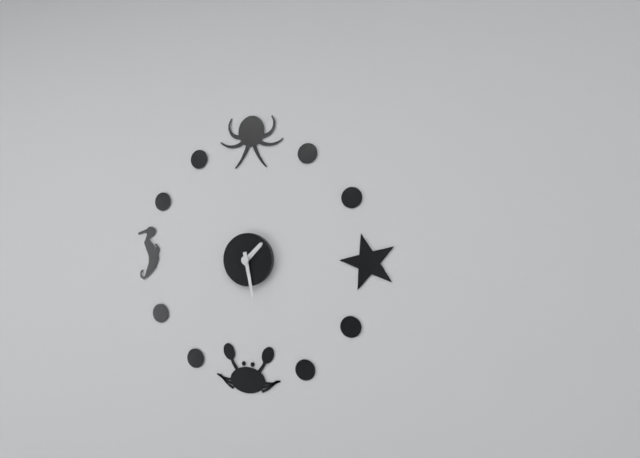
1:28
